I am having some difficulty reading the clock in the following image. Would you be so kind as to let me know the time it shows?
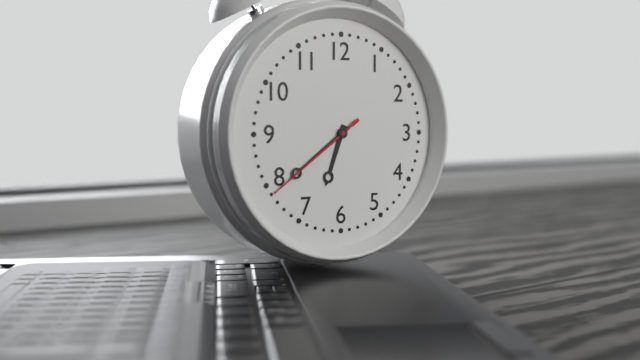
6:39:39
